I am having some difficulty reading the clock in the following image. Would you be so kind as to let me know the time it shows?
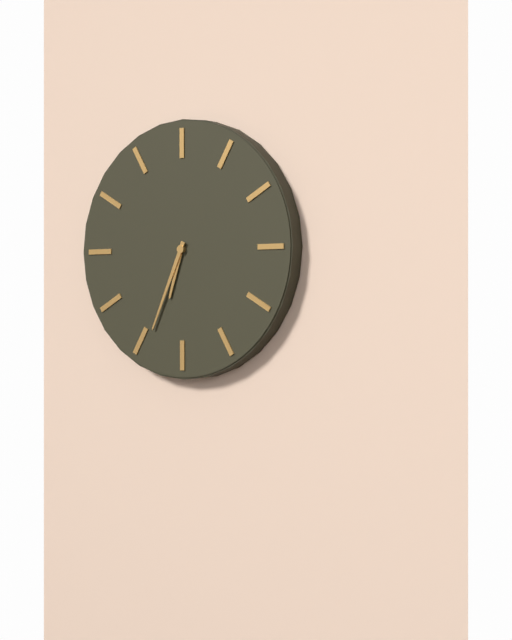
6:34
